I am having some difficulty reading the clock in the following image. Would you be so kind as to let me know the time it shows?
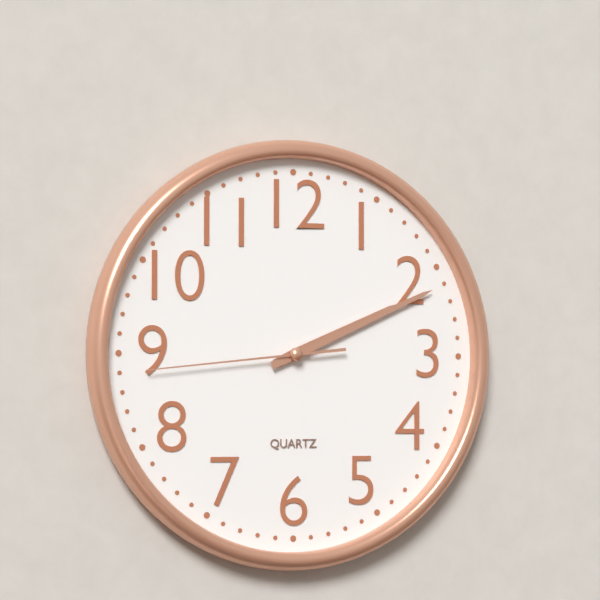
2:11:44
